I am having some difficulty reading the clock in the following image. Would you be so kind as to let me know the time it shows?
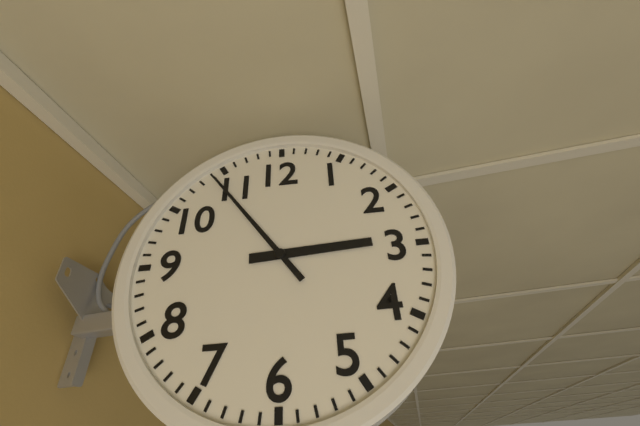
2:54
